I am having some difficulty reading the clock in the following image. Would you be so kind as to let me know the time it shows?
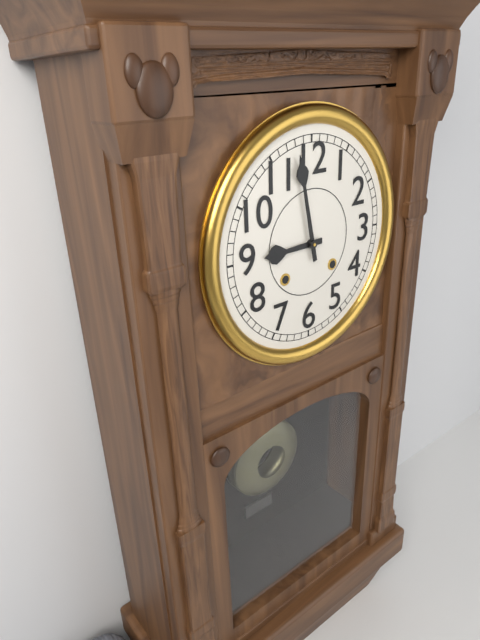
8:58
